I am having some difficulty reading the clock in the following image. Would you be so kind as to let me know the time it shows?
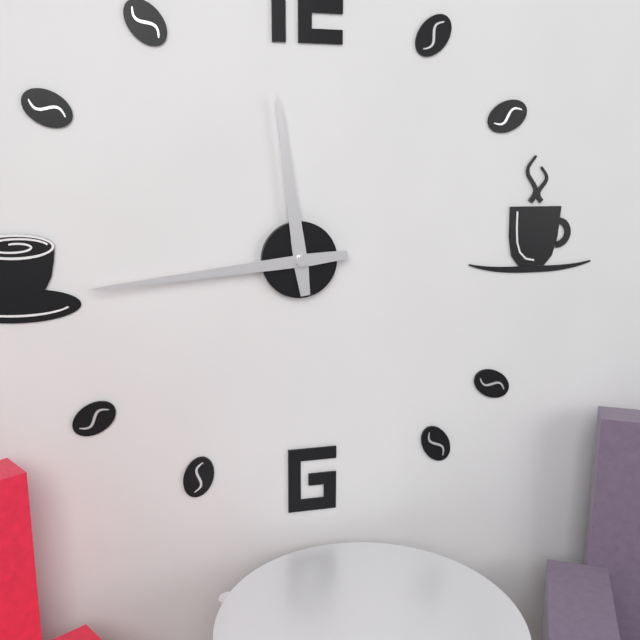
11:44
